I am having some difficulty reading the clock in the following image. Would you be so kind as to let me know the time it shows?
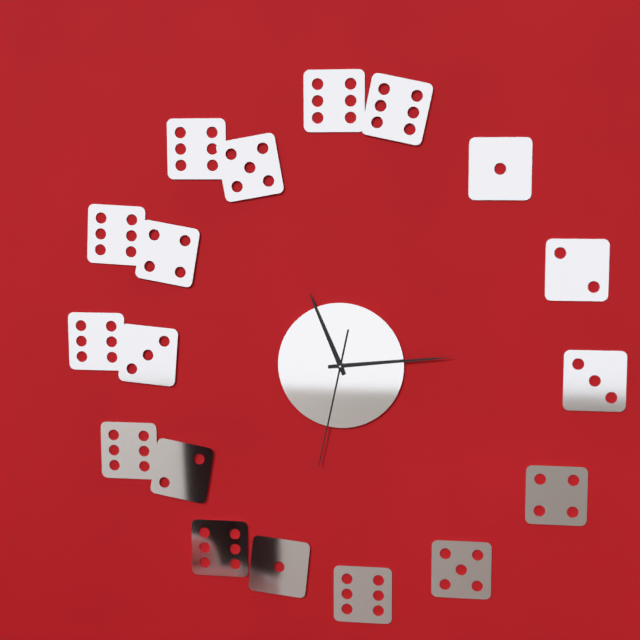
11:14:32
